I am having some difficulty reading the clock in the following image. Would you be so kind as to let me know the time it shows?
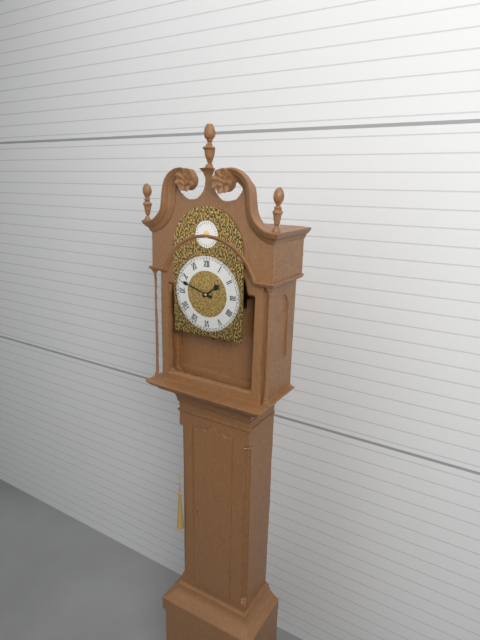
1:48
